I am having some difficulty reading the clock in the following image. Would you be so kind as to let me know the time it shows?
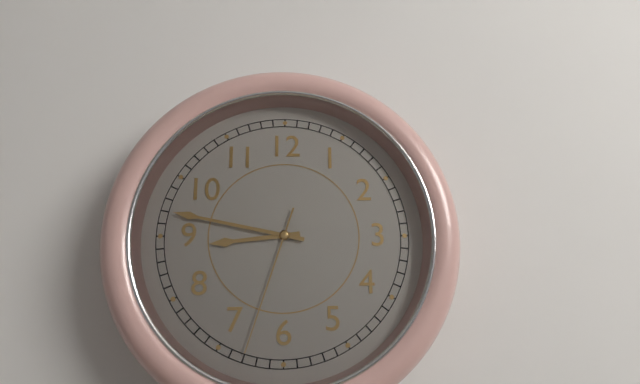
8:47:33
